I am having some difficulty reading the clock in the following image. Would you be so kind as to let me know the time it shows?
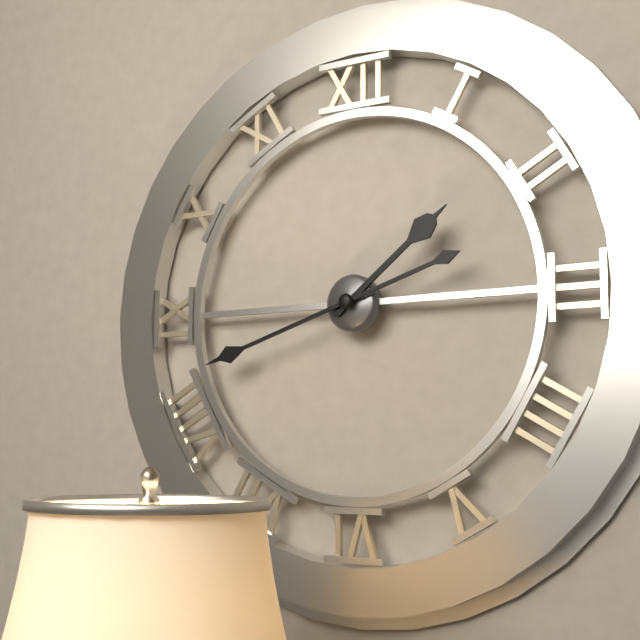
1:42
